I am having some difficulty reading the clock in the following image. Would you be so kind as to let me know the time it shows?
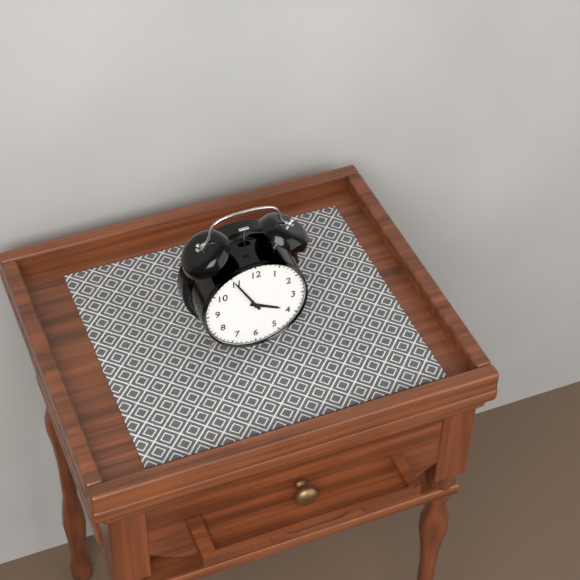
3:55
